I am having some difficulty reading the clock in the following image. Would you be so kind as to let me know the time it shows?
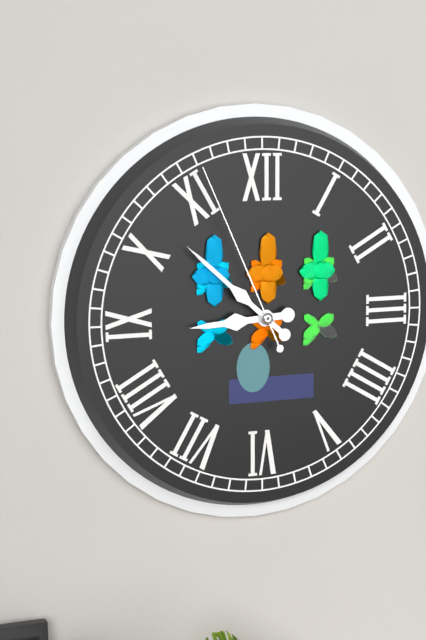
8:52:56
